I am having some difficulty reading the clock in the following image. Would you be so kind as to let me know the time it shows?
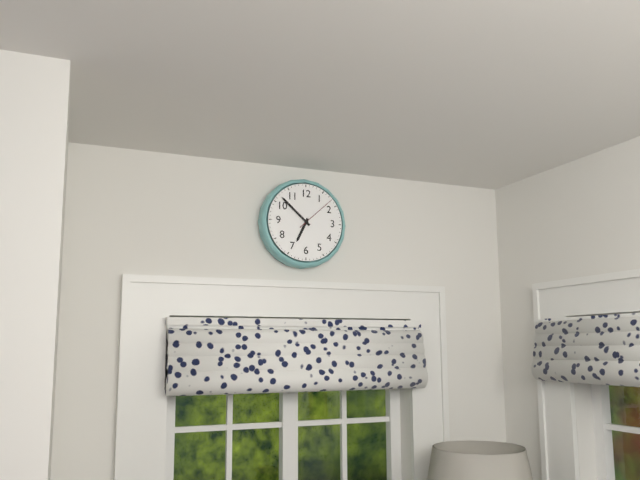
6:52
